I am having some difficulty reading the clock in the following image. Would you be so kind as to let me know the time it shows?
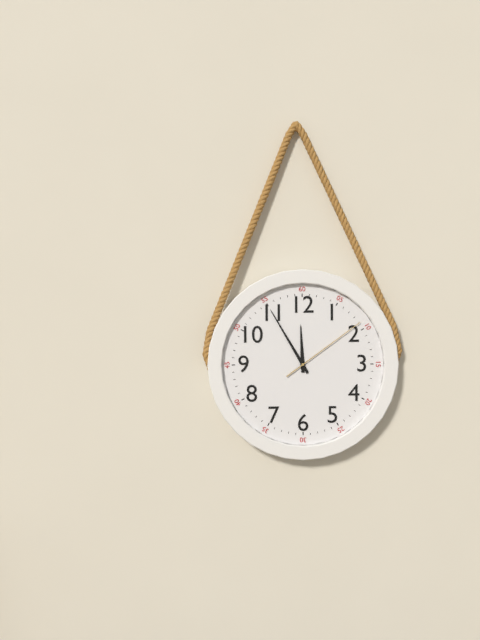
11:55:09
